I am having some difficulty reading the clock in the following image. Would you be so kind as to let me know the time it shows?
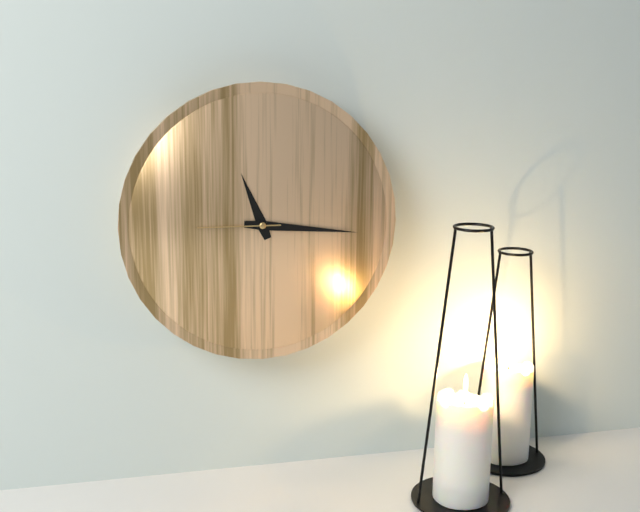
11:16:45
